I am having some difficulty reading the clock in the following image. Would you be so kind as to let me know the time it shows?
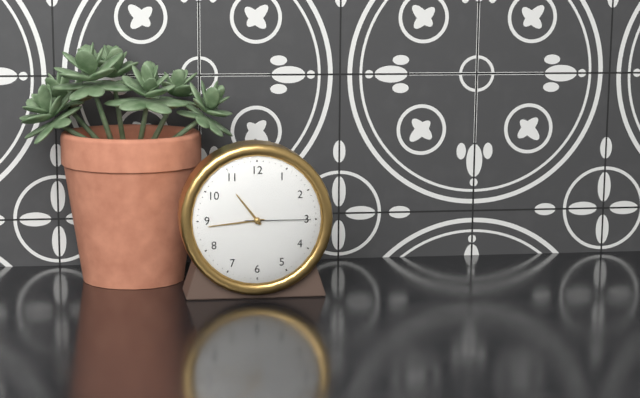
10:44:15
